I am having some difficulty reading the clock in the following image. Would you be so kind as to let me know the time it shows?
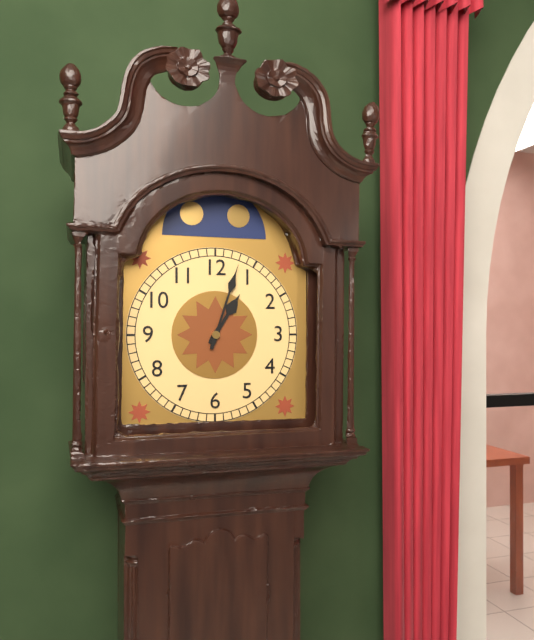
1:03
